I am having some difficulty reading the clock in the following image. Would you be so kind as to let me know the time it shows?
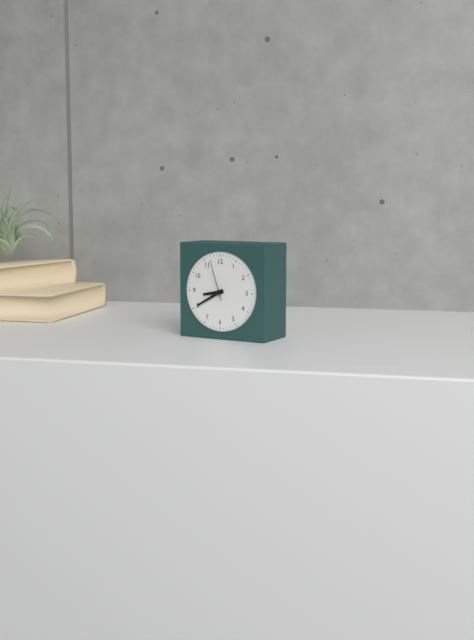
8:40
